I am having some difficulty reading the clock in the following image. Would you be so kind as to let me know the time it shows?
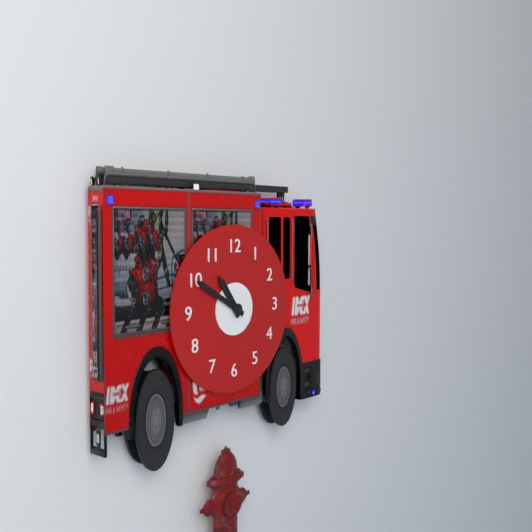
10:50
